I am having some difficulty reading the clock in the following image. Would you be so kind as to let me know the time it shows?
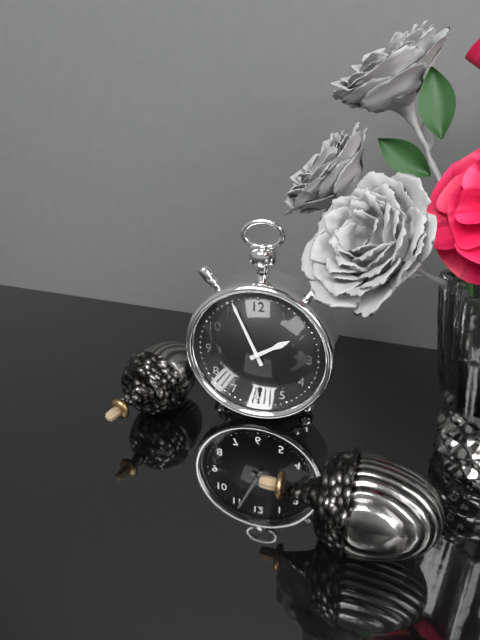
1:56
